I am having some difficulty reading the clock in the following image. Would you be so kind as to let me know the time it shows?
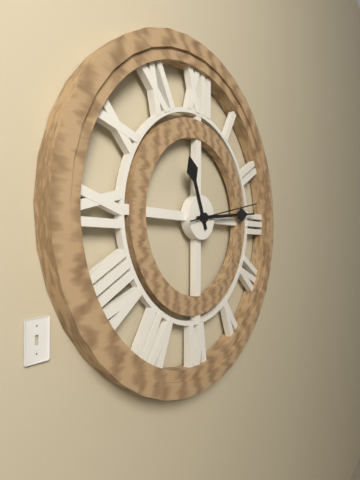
11:14:13
